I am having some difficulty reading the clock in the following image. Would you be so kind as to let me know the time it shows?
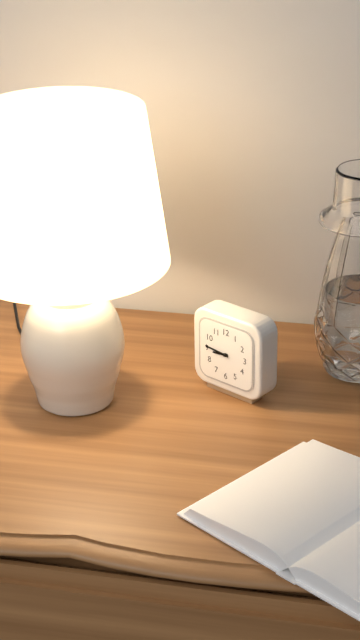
8:46
